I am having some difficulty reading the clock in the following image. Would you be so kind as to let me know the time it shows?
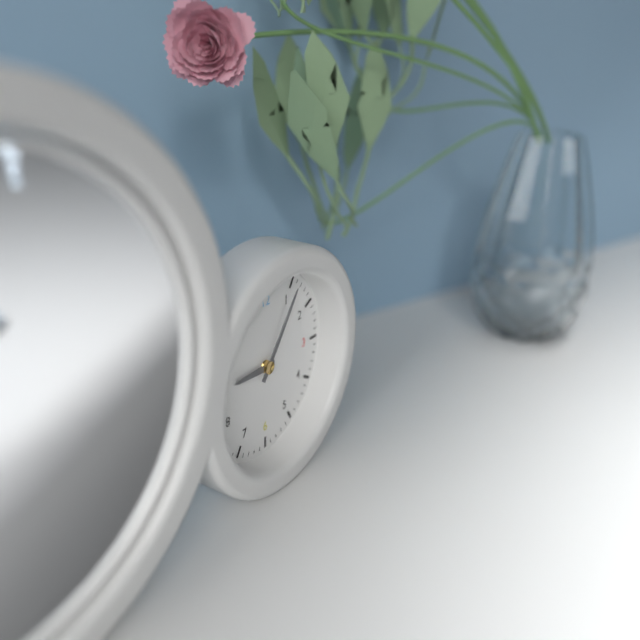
9:06
